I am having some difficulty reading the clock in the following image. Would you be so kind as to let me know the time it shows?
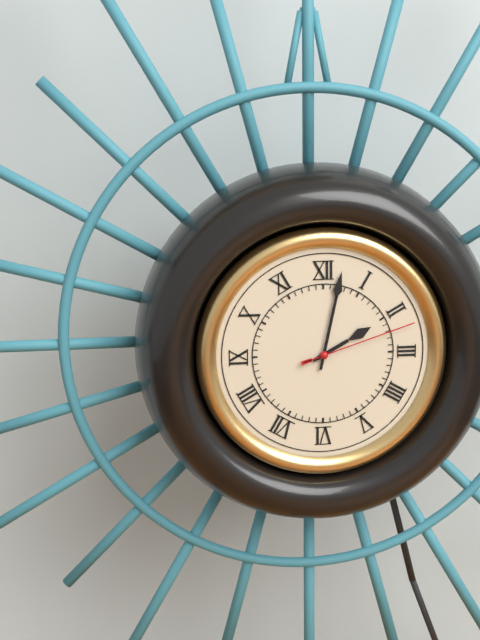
2:02:12
